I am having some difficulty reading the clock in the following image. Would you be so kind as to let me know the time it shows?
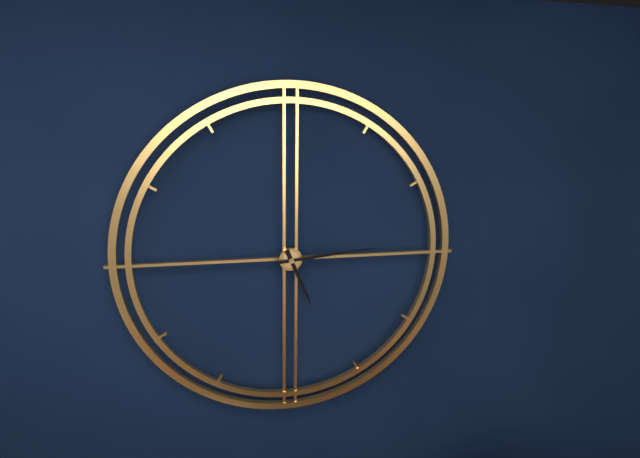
5:14
